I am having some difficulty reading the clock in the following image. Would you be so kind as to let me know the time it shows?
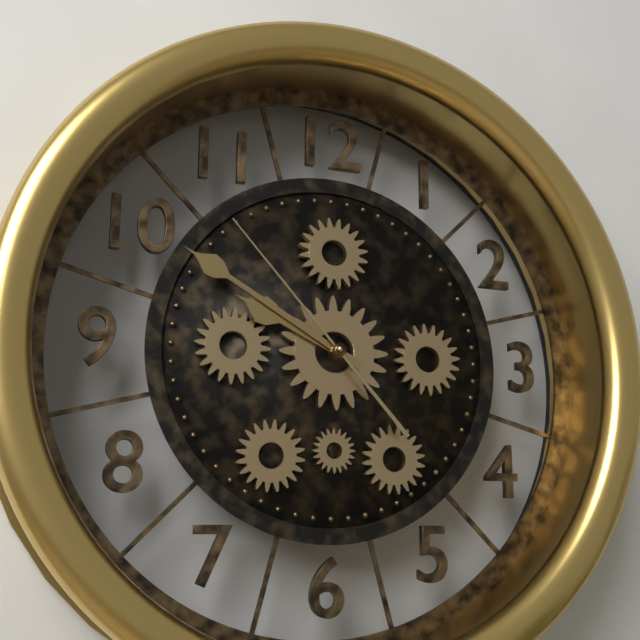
9:50:53
